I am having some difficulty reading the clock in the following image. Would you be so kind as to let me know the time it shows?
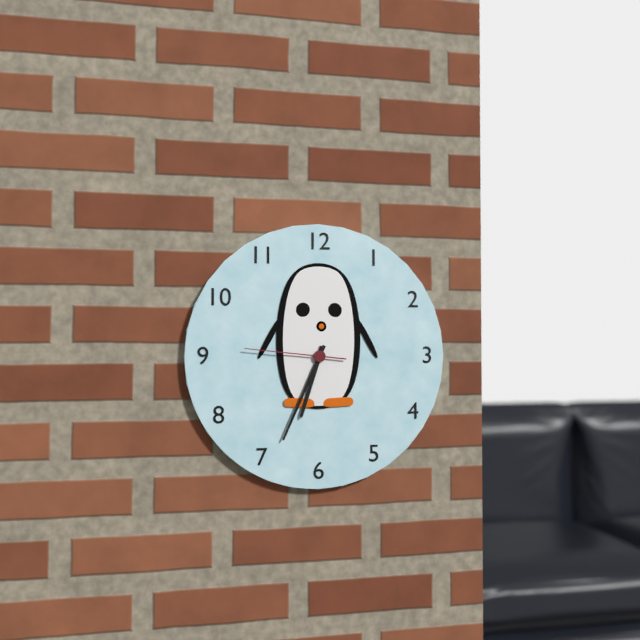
6:34:46
